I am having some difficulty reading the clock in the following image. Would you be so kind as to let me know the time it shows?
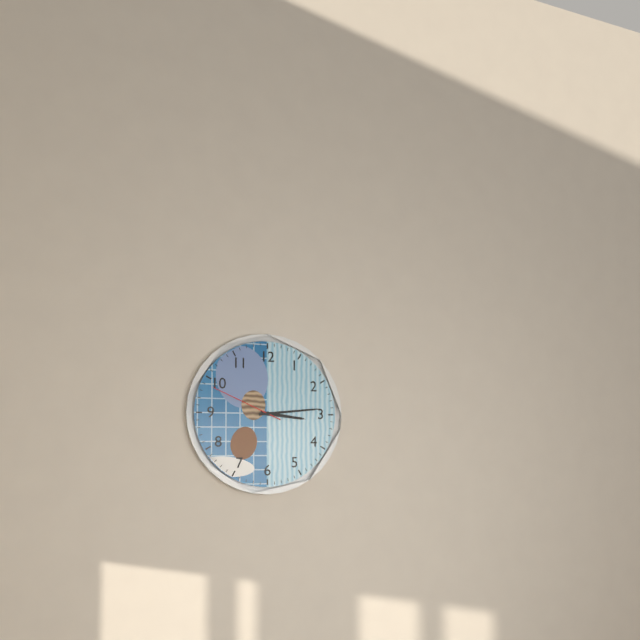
3:14:49
